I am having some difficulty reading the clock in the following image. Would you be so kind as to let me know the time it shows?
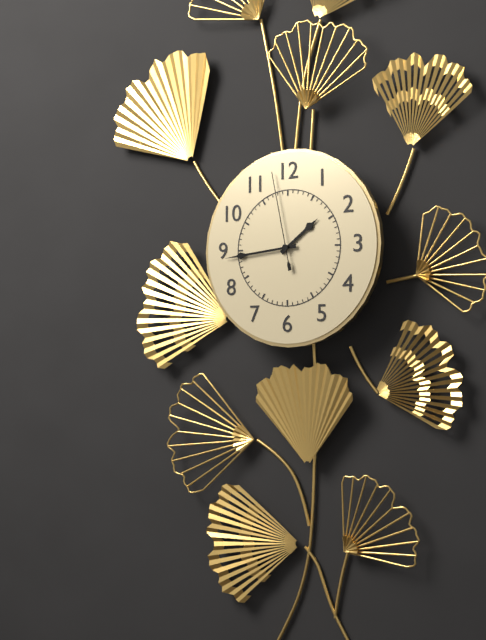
1:44:58
